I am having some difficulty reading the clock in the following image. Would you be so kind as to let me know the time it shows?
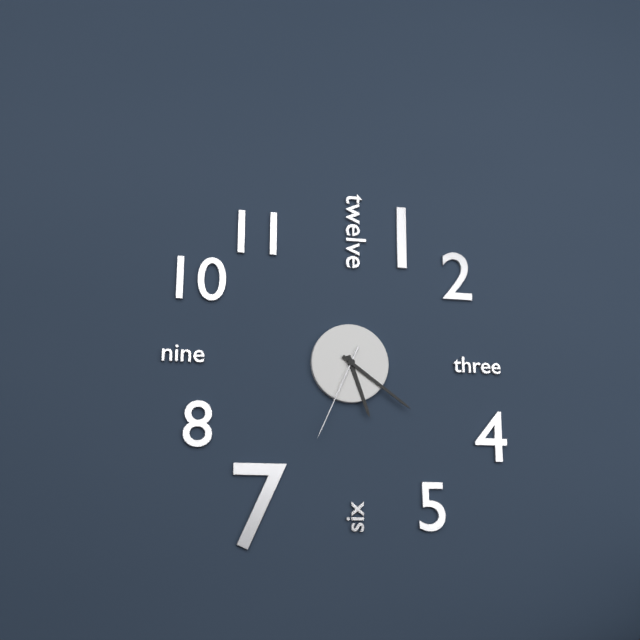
5:21:34
